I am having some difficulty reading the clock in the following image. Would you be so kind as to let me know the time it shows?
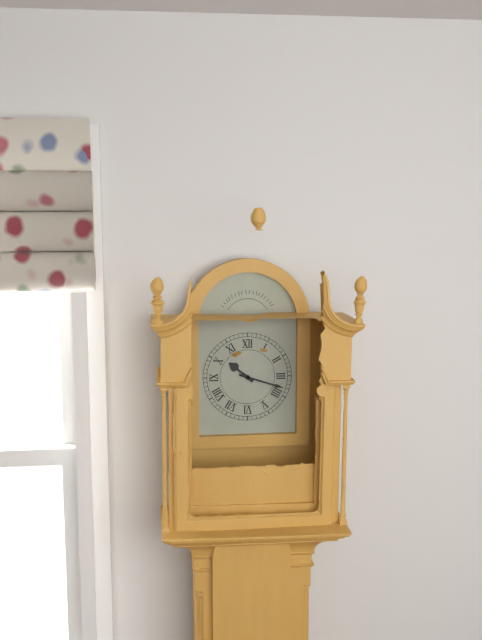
10:18
